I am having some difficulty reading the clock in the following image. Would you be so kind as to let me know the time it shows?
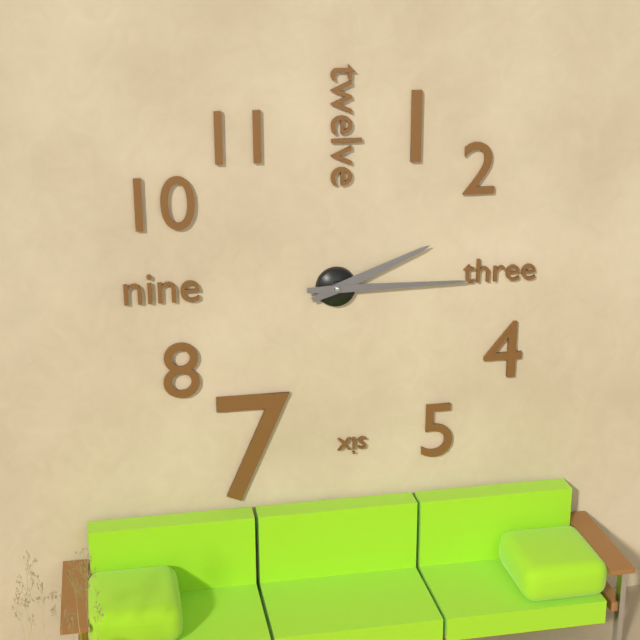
2:15
